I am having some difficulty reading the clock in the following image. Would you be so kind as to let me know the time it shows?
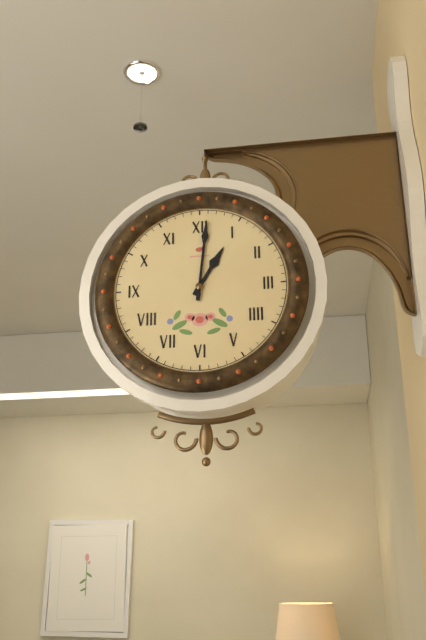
1:01
